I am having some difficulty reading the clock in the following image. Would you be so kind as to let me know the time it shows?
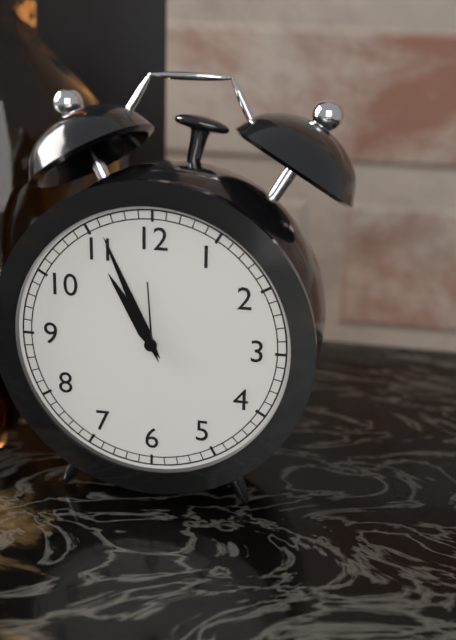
10:56
